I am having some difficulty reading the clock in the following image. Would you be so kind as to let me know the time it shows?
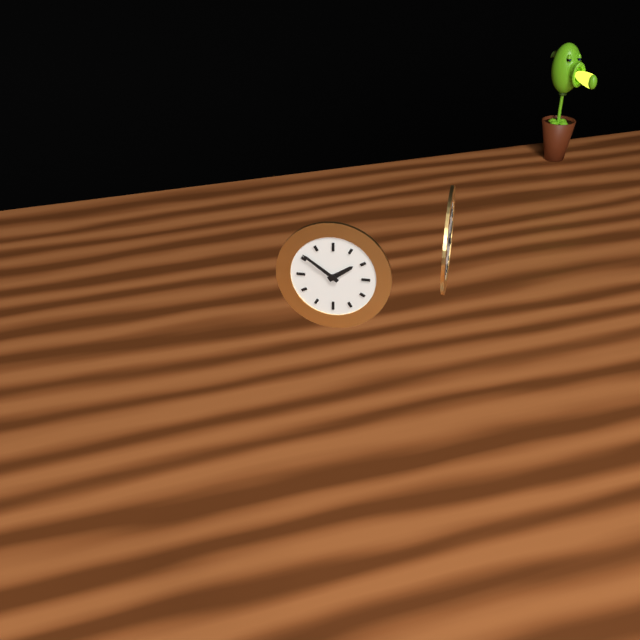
1:51
